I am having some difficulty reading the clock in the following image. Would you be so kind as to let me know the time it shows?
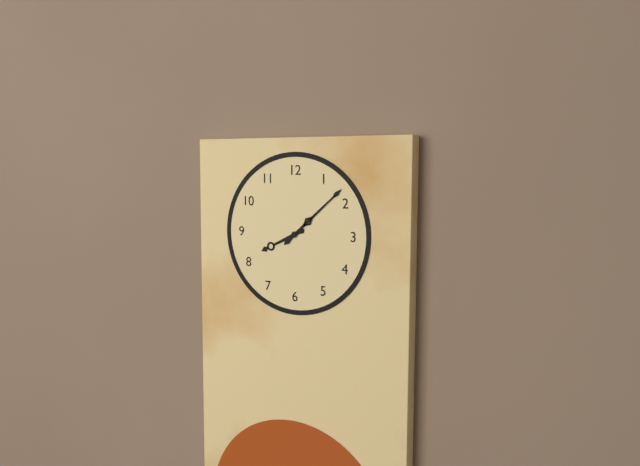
8:08
